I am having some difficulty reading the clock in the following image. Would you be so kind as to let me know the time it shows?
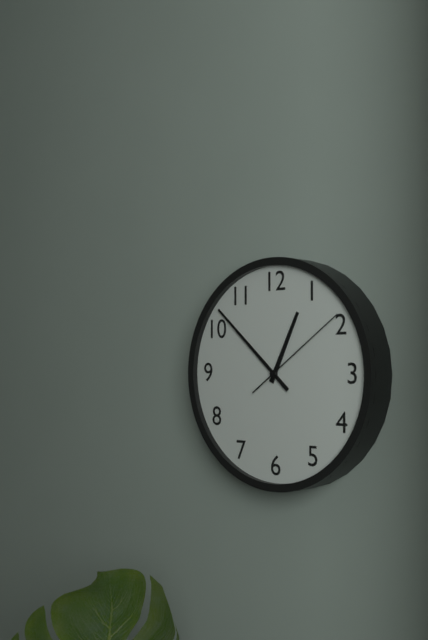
12:52:09
